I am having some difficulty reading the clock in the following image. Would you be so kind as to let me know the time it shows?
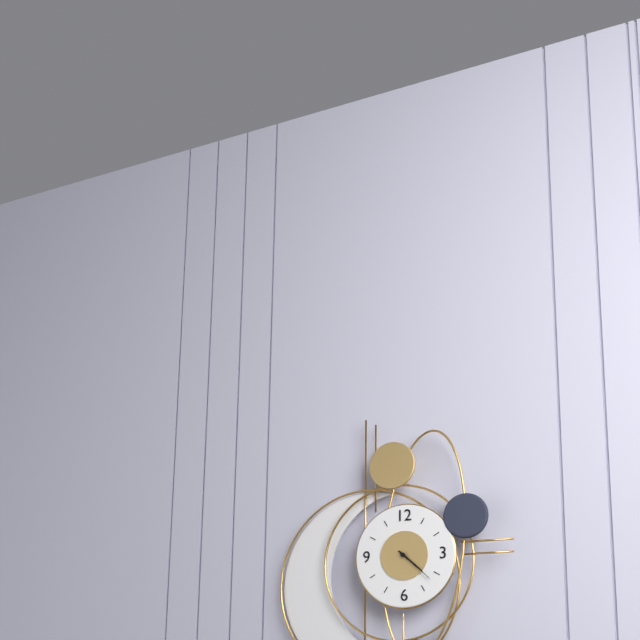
4:22
